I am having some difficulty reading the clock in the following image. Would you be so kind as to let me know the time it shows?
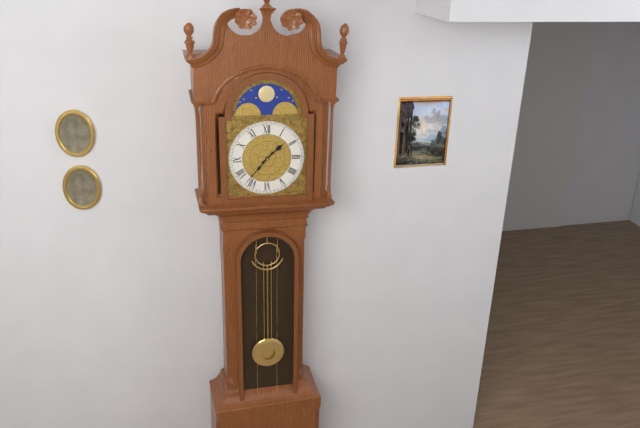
1:37
